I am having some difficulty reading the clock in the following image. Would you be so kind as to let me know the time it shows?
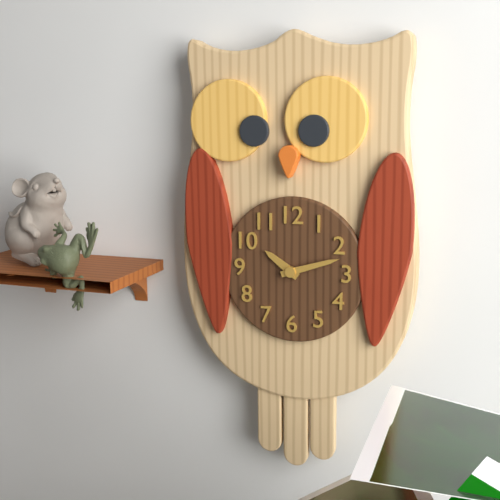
10:12
